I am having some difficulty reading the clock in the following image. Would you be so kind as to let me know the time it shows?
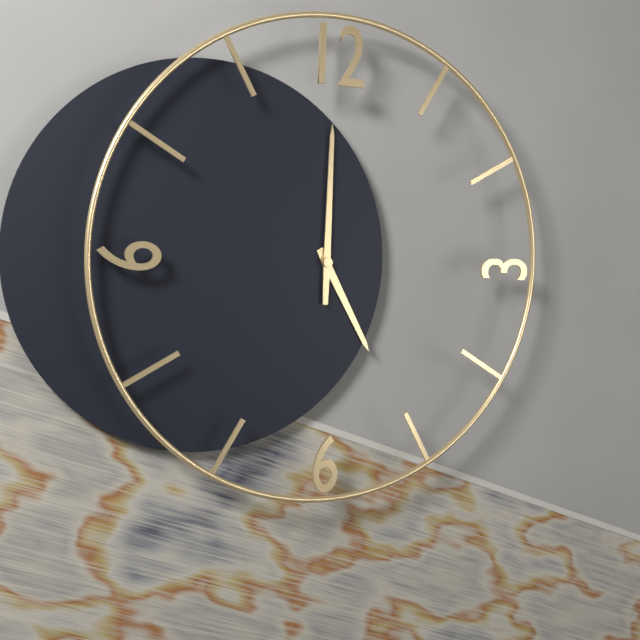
5:00
